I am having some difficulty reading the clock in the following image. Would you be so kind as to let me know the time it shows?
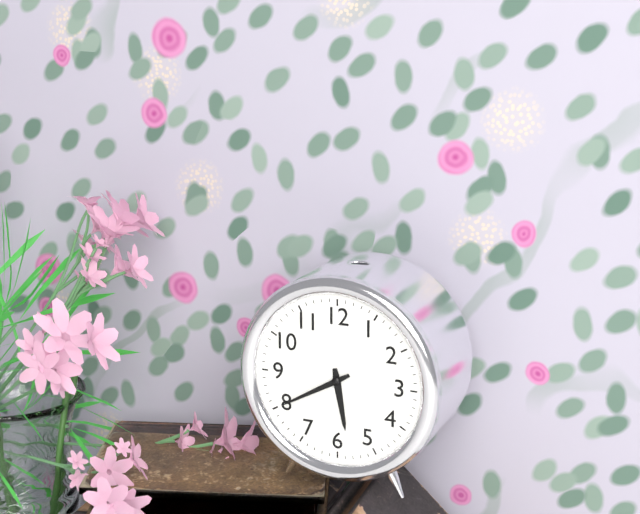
5:40
